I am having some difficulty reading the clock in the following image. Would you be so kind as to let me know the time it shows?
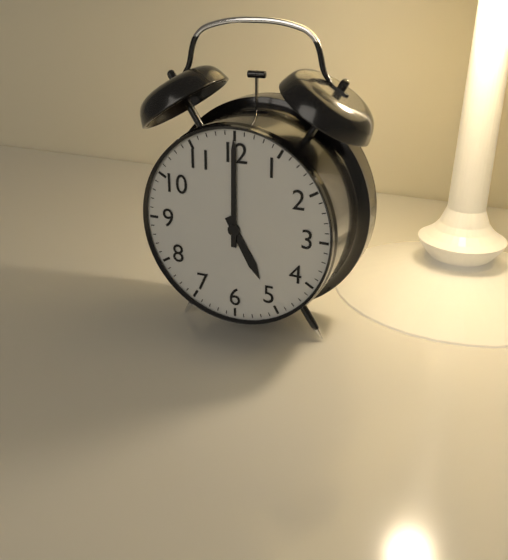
5:00
